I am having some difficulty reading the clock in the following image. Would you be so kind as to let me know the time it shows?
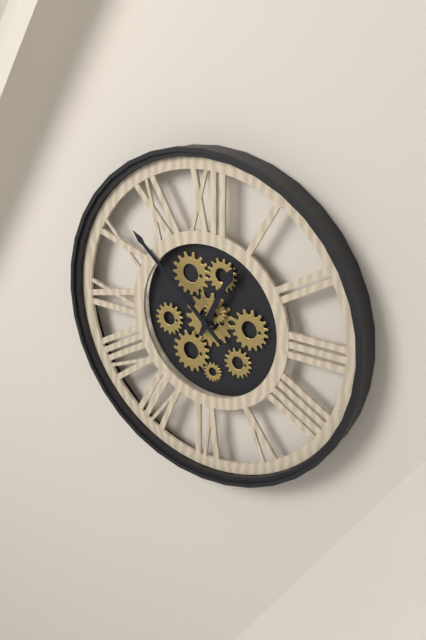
12:52
